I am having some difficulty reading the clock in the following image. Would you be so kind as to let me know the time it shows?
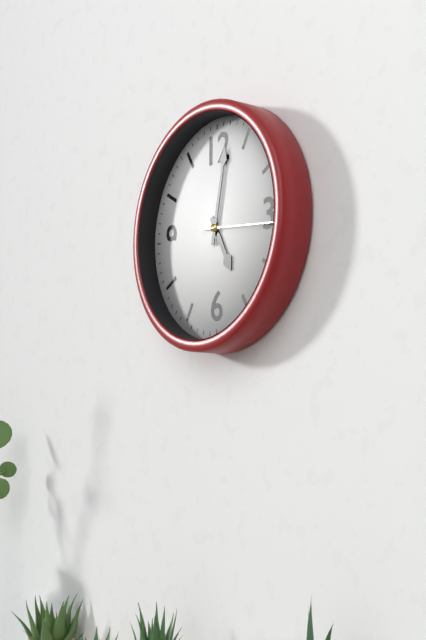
5:02:16
